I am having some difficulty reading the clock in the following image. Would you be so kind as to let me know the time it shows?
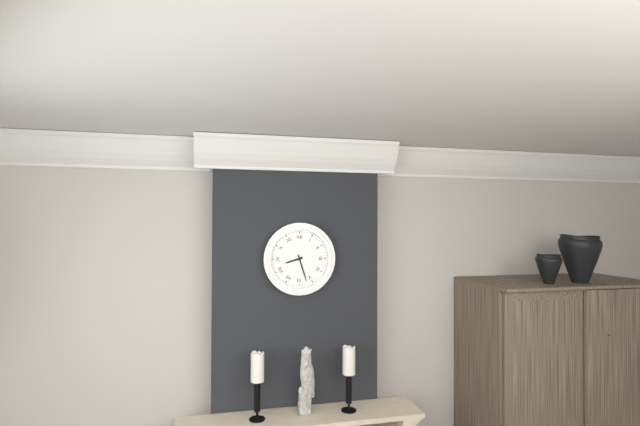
8:27
